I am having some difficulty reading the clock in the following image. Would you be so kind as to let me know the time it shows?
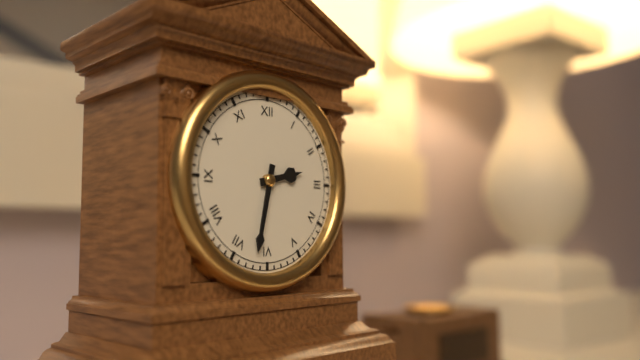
2:32
